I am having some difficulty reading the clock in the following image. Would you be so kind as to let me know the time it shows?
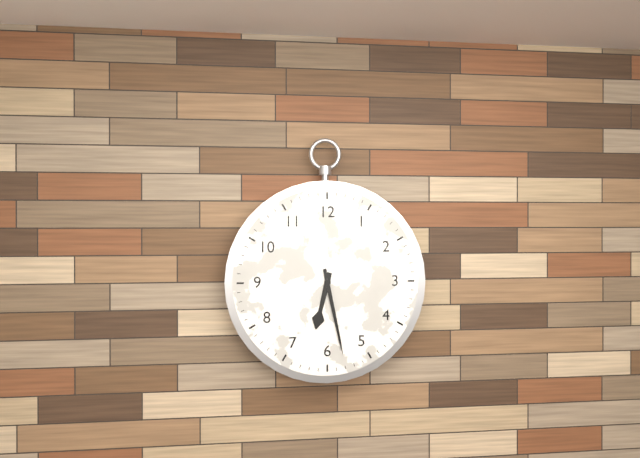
6:28
